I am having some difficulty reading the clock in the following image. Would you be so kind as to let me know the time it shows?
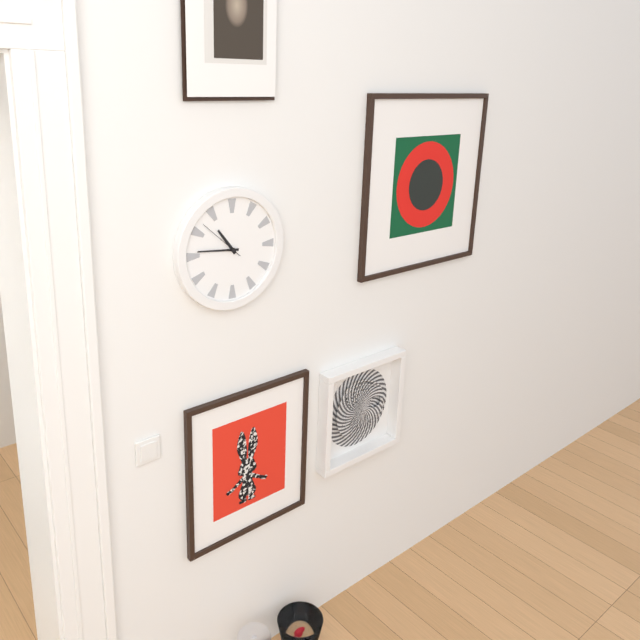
10:46
